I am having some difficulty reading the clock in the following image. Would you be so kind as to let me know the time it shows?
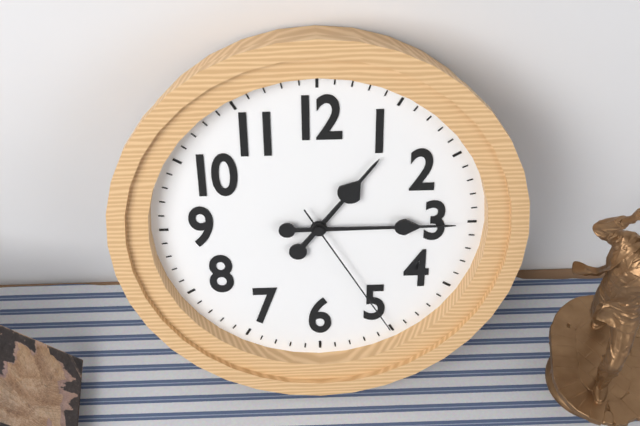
1:15:25
